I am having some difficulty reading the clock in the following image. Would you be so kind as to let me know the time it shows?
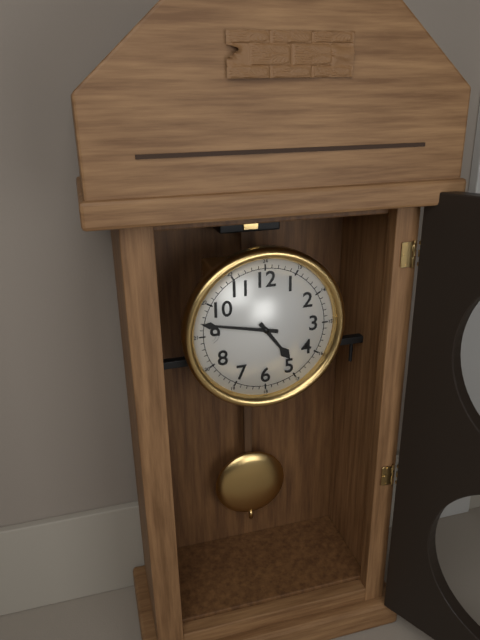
4:47
